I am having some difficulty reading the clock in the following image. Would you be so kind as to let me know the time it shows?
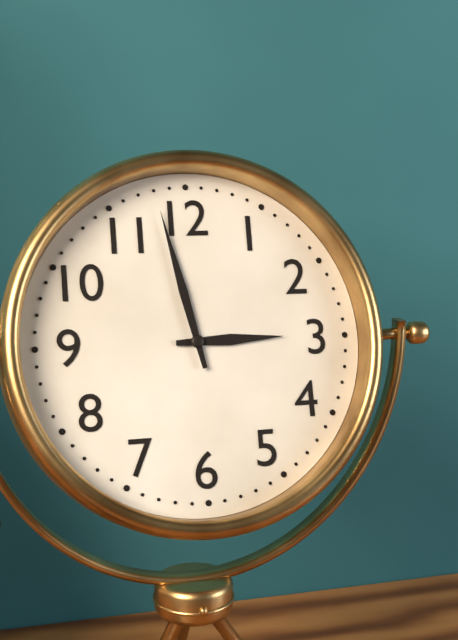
2:58
